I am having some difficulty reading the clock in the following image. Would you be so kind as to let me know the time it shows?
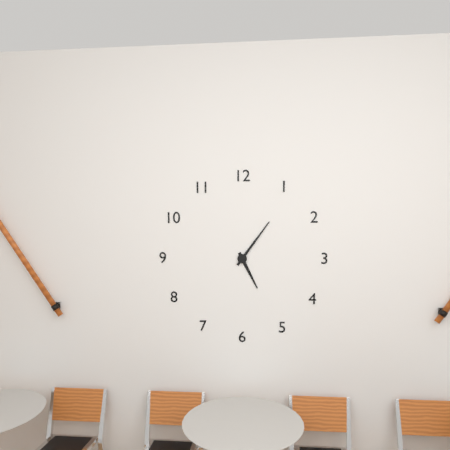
5:06
